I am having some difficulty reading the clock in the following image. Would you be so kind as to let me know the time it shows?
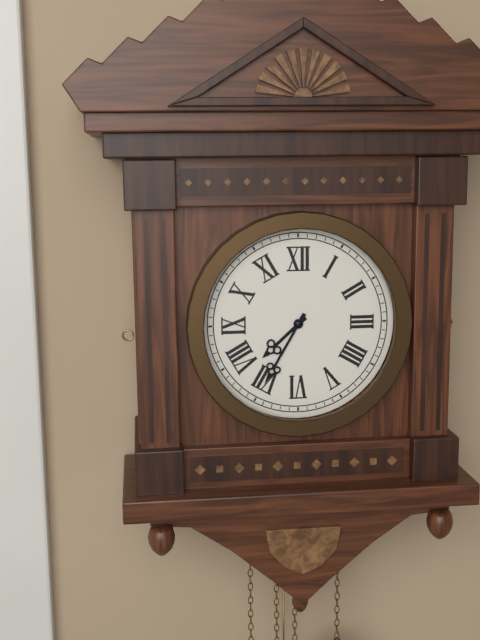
7:35
